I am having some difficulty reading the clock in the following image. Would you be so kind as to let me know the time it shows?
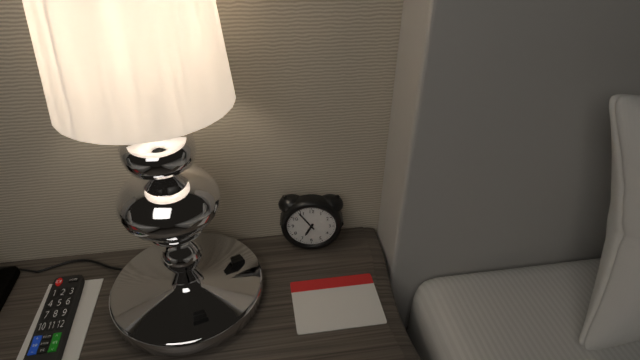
6:54
